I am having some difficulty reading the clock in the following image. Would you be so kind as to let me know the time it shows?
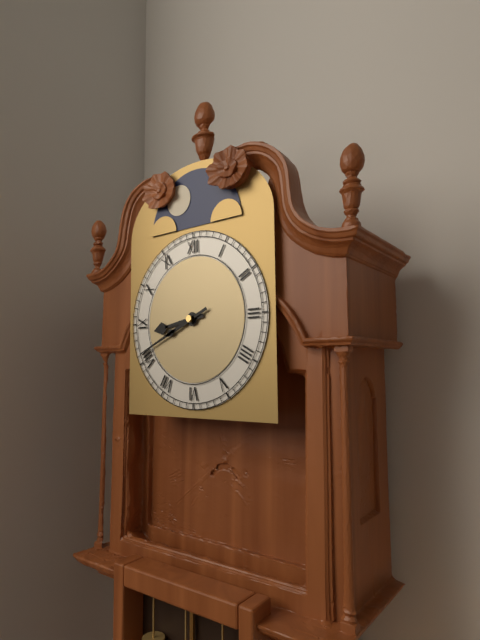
8:41
